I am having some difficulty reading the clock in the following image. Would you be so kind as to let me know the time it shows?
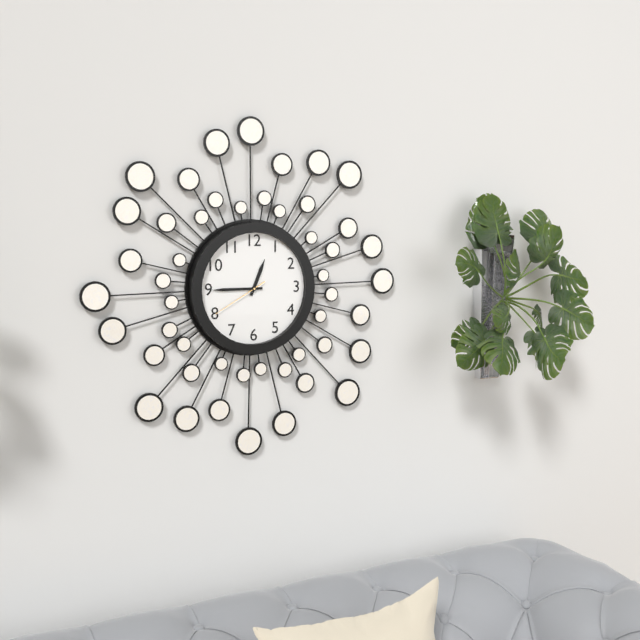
12:45:40
